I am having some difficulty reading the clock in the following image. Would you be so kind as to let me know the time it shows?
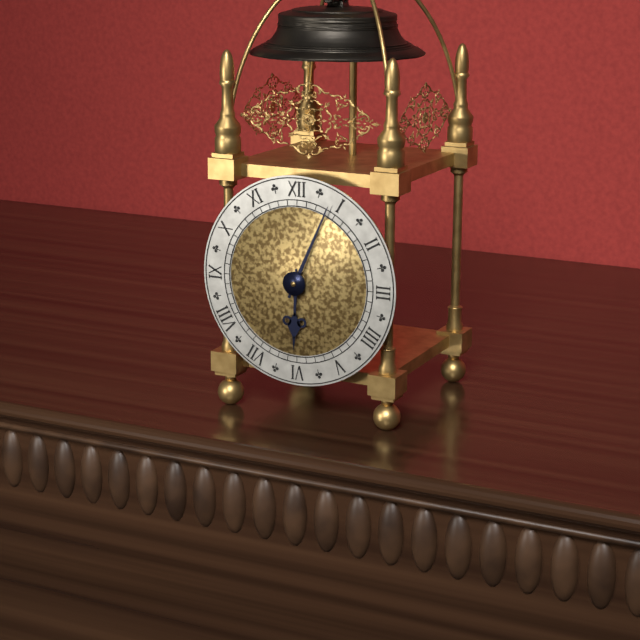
6:04
